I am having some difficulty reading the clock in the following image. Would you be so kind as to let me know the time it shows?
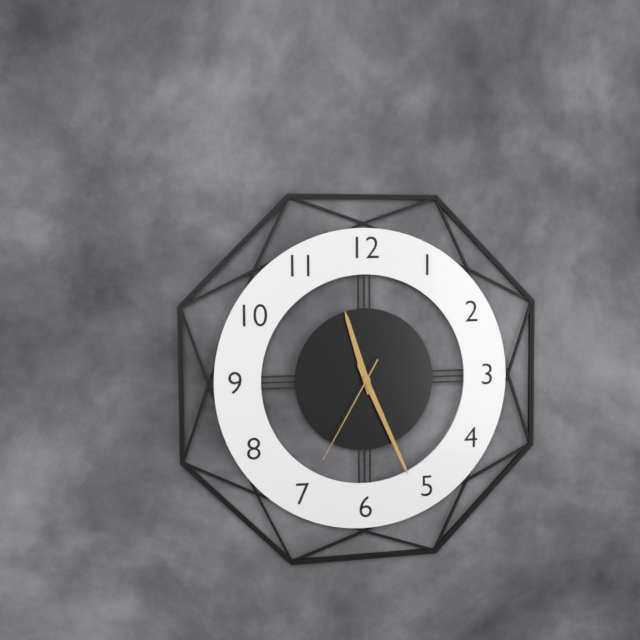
11:26:35
